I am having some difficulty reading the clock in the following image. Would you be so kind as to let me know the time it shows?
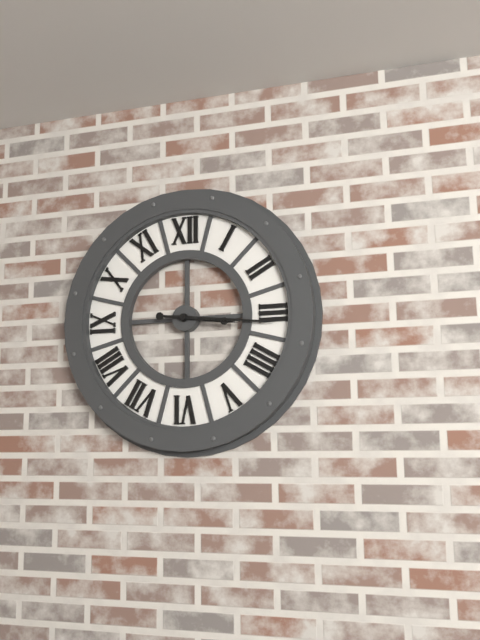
3:16
